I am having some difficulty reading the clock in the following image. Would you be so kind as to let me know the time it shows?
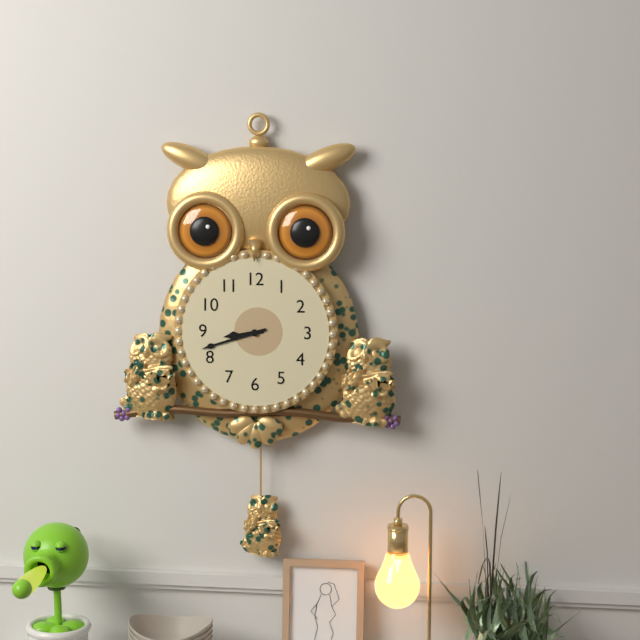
8:42
